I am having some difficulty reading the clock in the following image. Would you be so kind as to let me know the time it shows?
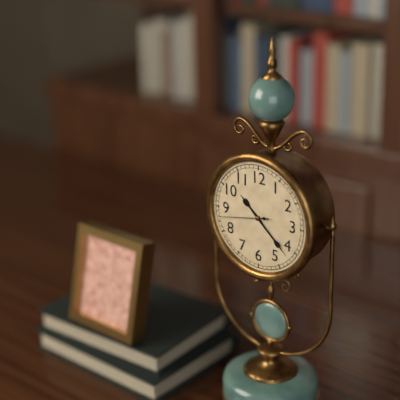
10:22
